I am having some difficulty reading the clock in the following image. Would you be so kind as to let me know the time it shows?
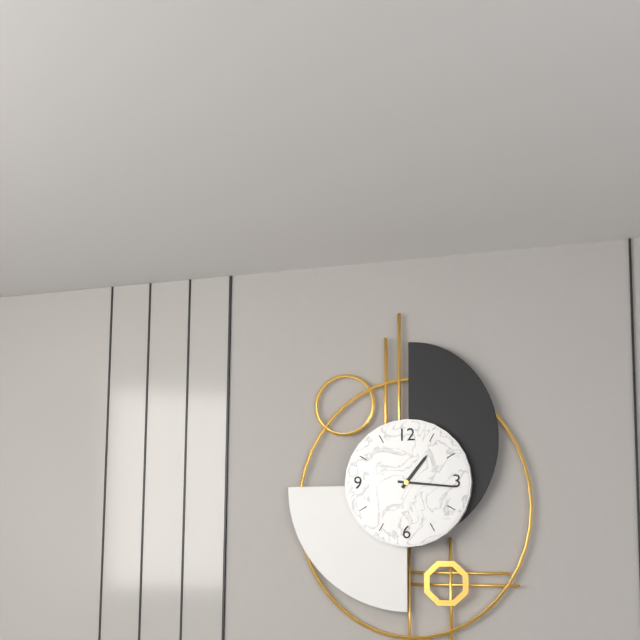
1:16
